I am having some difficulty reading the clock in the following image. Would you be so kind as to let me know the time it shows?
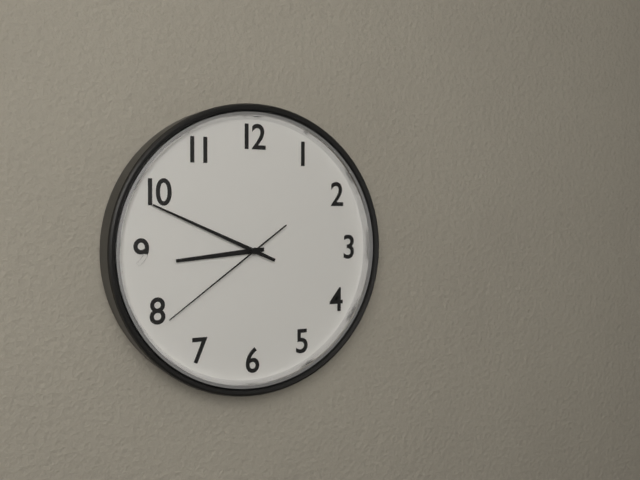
8:49:39
